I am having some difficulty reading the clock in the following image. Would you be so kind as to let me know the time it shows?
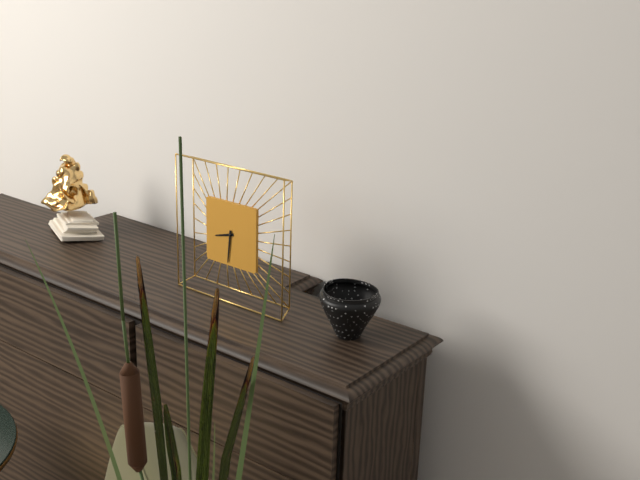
8:31
